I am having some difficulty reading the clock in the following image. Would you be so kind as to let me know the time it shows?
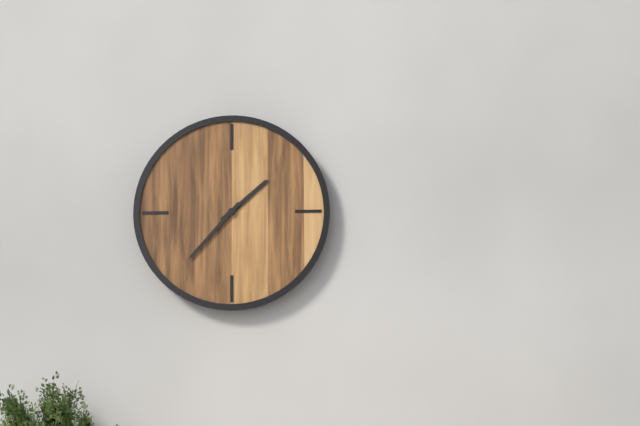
1:37
